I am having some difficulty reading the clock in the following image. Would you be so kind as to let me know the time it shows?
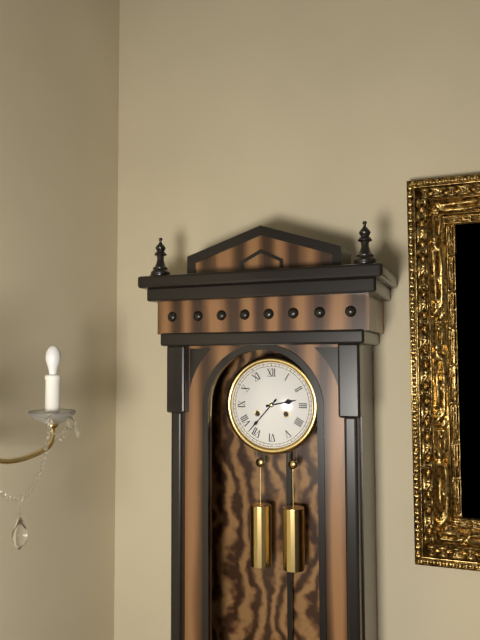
2:37
